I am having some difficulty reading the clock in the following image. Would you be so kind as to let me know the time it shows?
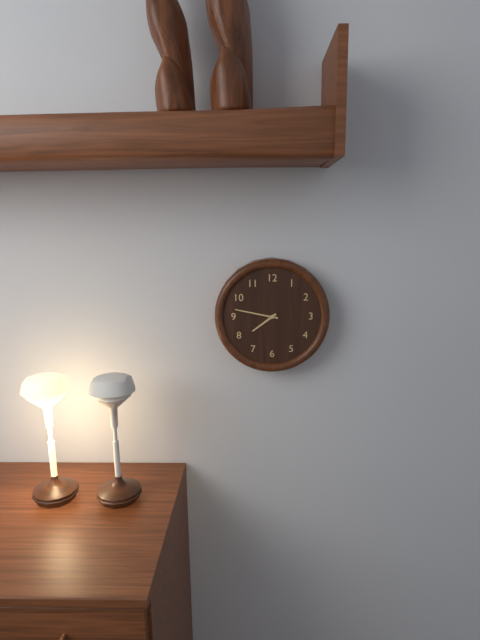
7:47
